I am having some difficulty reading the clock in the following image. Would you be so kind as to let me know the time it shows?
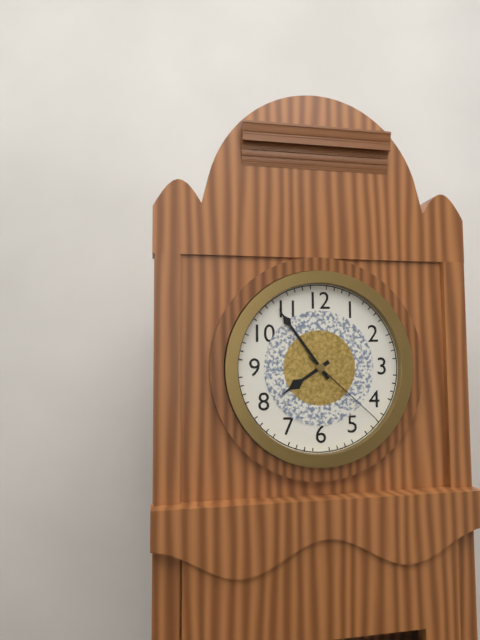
7:54:22
